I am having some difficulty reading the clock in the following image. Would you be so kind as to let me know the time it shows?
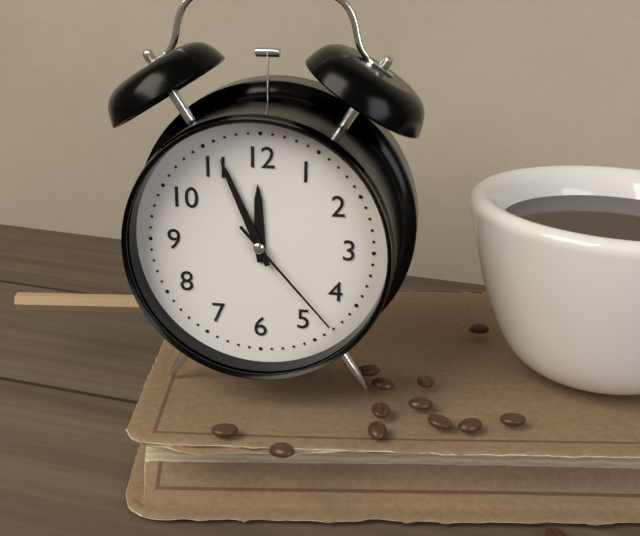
11:56:23
